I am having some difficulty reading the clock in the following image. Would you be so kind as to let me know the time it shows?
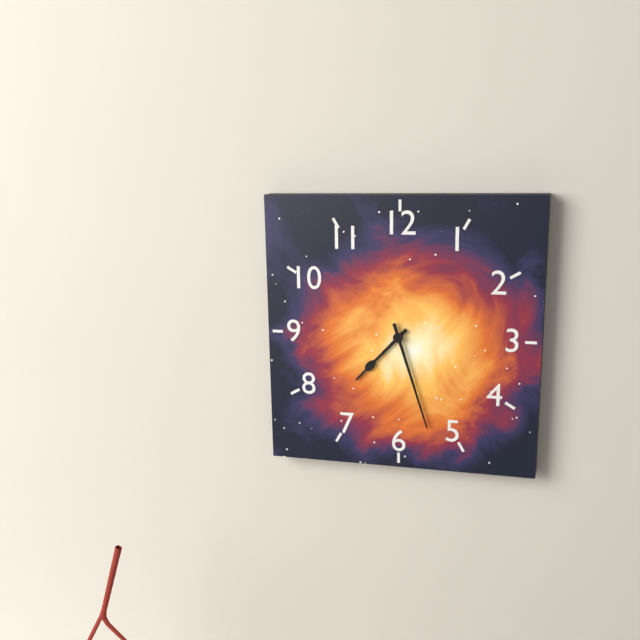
7:27
